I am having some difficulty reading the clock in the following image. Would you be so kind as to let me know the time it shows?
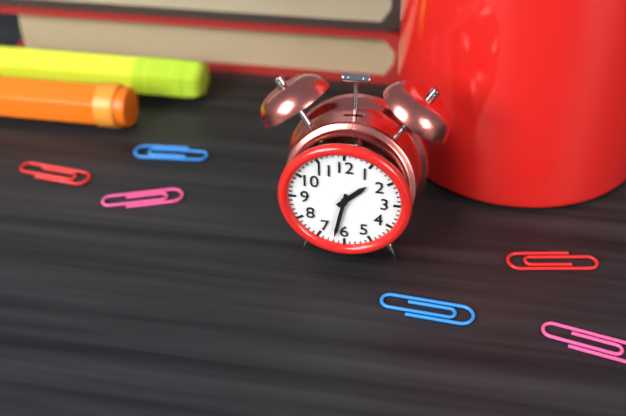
1:32
